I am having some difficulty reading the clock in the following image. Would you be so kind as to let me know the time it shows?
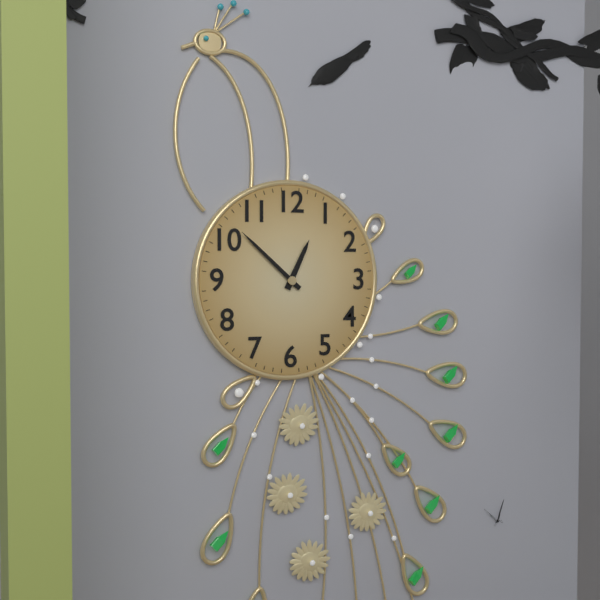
12:52
